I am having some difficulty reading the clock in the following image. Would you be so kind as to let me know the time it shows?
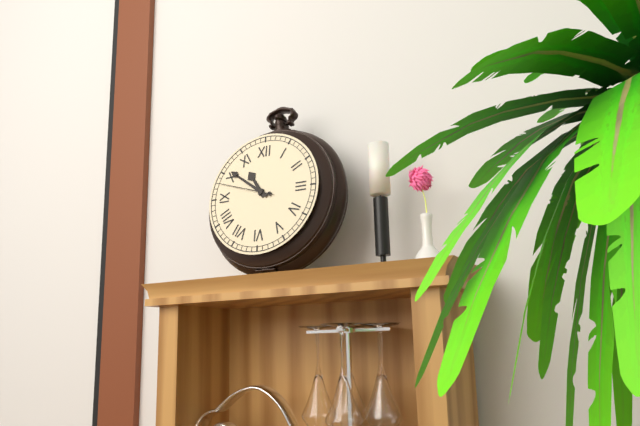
10:51:48
